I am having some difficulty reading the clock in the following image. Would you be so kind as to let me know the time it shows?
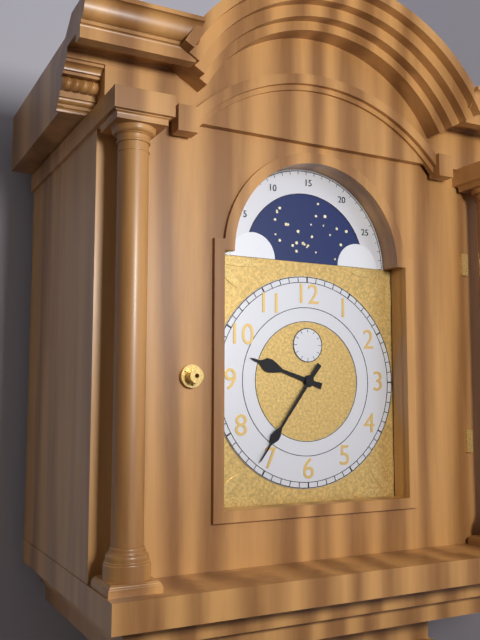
9:36
